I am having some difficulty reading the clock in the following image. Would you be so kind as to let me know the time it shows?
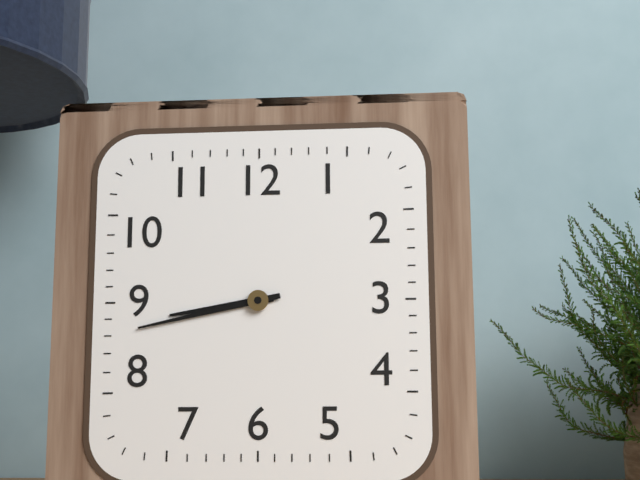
8:43
